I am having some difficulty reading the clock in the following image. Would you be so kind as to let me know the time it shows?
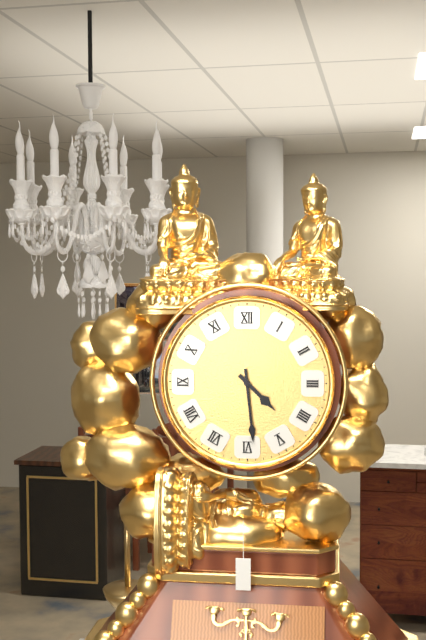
4:29
